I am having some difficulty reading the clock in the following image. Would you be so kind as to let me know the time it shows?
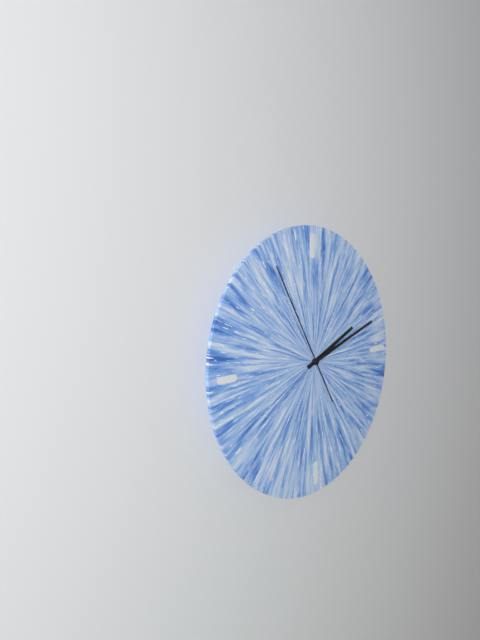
2:12:55
